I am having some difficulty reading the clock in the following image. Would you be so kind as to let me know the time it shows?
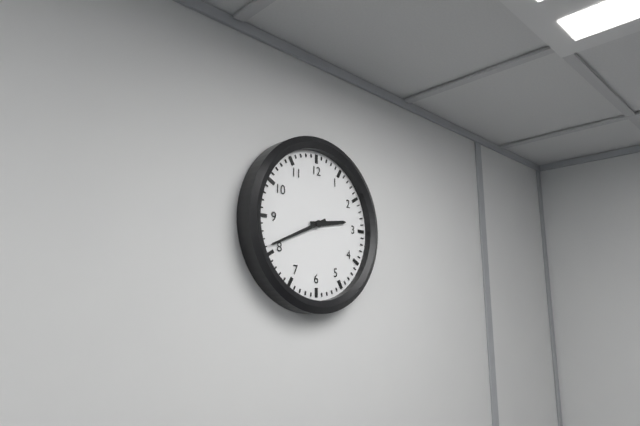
2:41
